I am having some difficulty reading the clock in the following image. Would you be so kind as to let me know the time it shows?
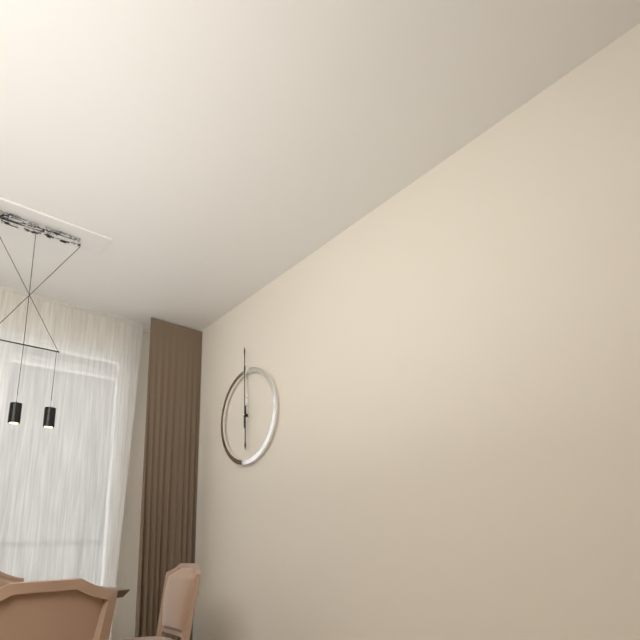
6:00
